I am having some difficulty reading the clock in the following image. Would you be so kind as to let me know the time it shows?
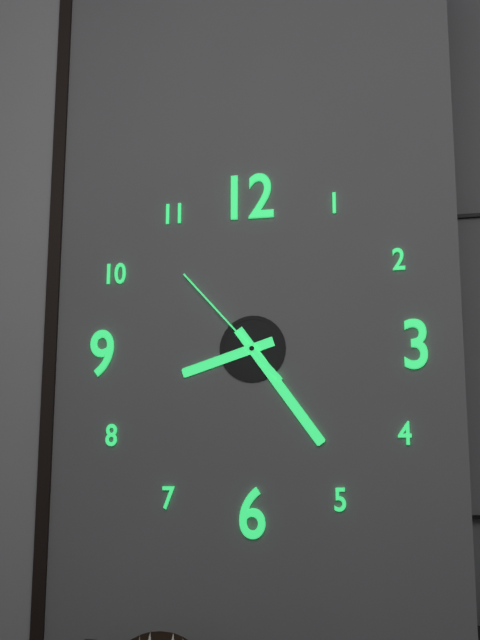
8:24:53
